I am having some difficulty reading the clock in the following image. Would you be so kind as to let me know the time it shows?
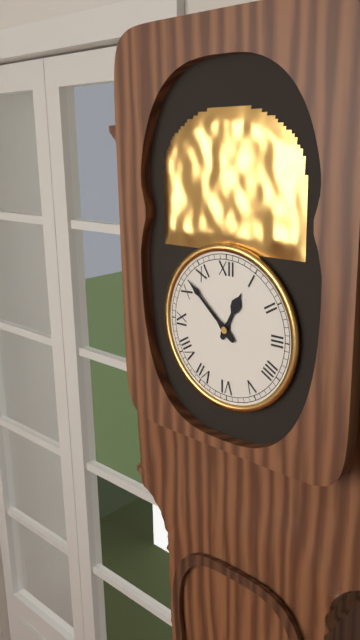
12:52
